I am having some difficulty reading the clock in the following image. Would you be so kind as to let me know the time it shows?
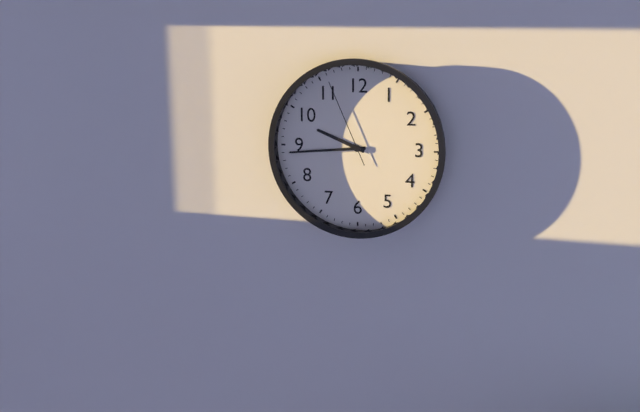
9:44:56
